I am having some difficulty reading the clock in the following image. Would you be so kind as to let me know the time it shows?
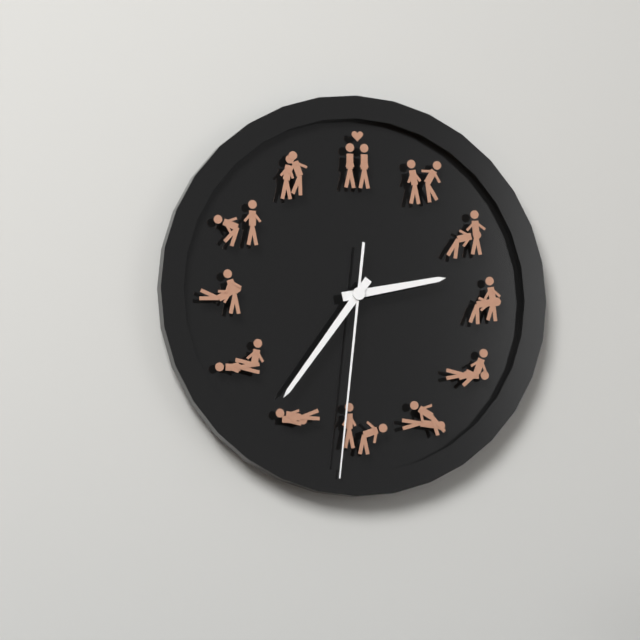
2:36:31
